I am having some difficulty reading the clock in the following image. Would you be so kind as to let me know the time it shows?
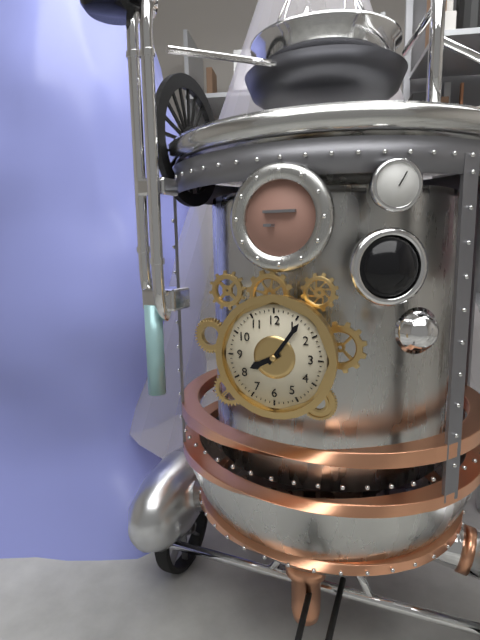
8:06
